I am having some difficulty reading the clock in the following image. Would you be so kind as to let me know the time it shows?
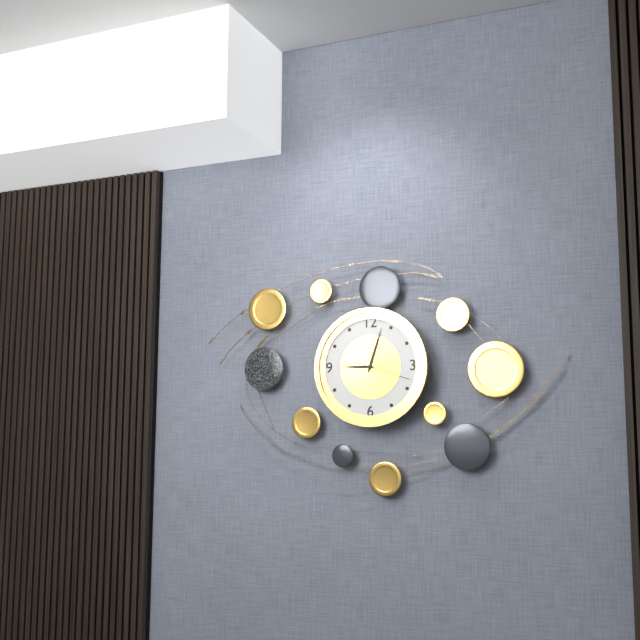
9:03:18
